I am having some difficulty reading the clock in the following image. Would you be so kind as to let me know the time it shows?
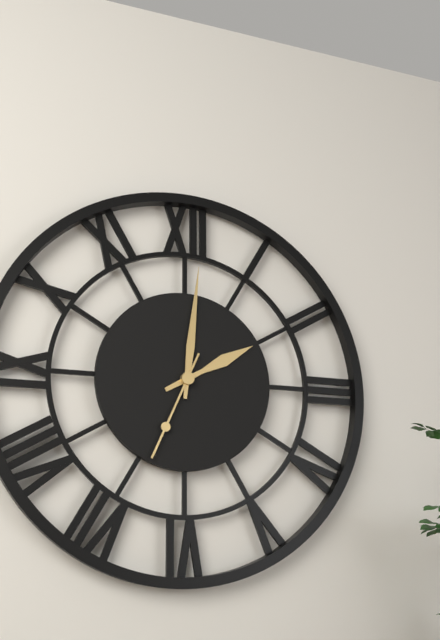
2:01:34
